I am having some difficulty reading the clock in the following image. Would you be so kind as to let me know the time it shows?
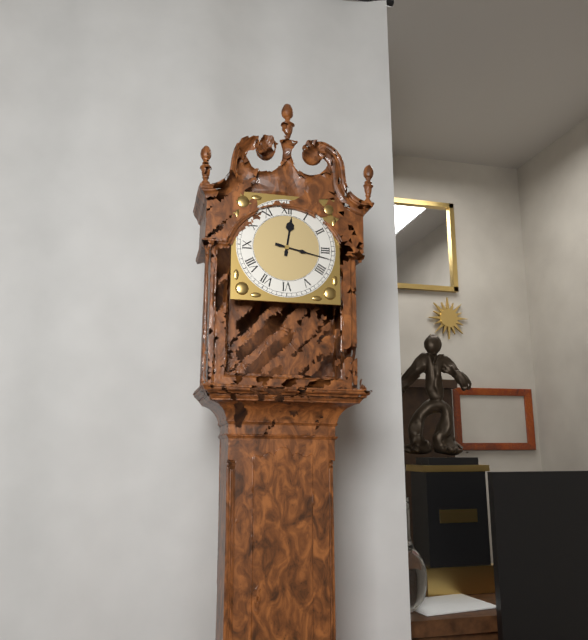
12:17
